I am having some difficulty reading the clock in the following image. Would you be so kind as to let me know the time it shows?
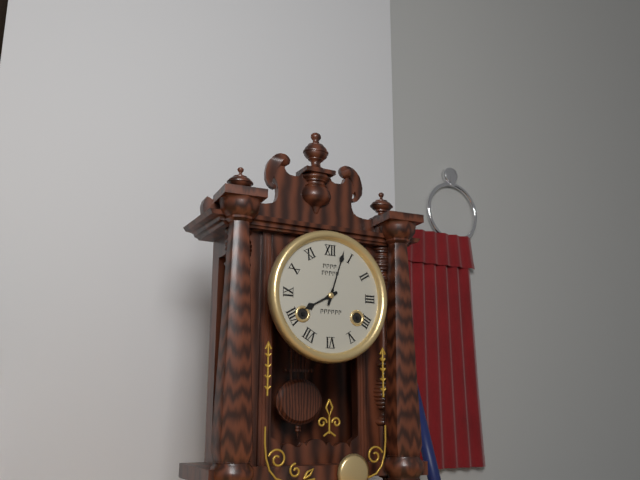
8:03
